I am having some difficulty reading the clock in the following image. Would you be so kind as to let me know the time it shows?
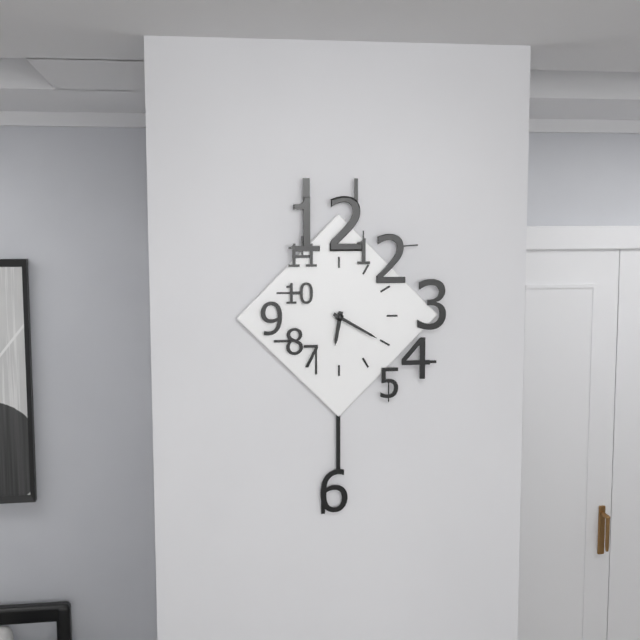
6:20
